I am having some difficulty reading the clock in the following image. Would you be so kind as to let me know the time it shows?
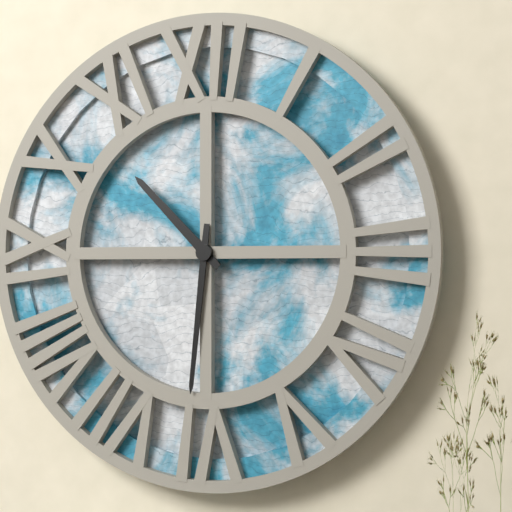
10:31
